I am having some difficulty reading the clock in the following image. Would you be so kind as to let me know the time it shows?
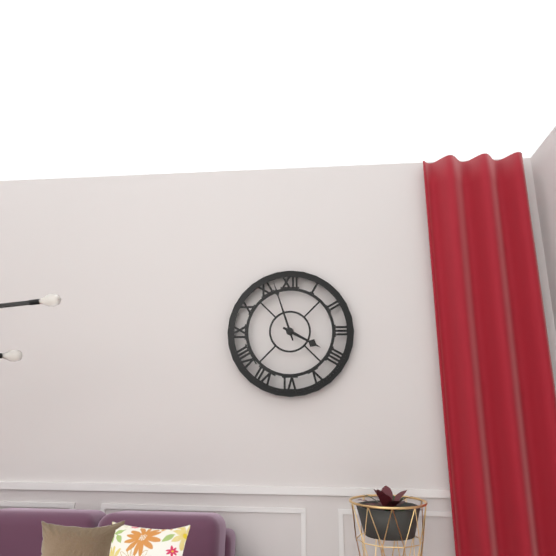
3:57
